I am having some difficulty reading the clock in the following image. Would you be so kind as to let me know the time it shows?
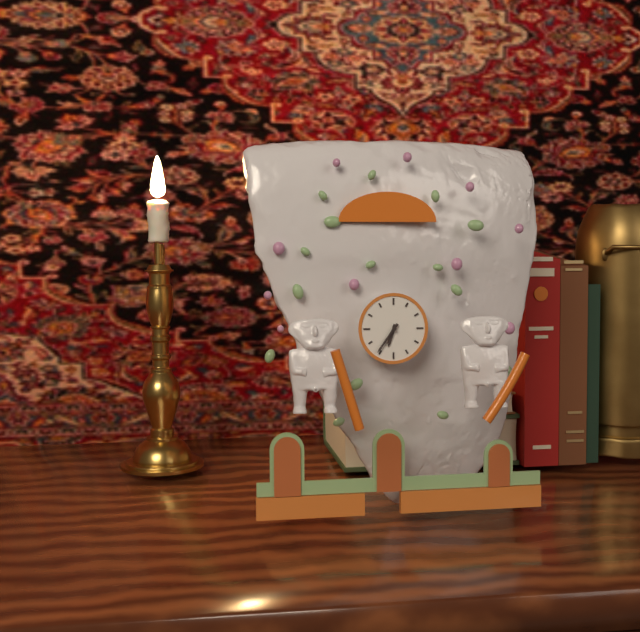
6:36
